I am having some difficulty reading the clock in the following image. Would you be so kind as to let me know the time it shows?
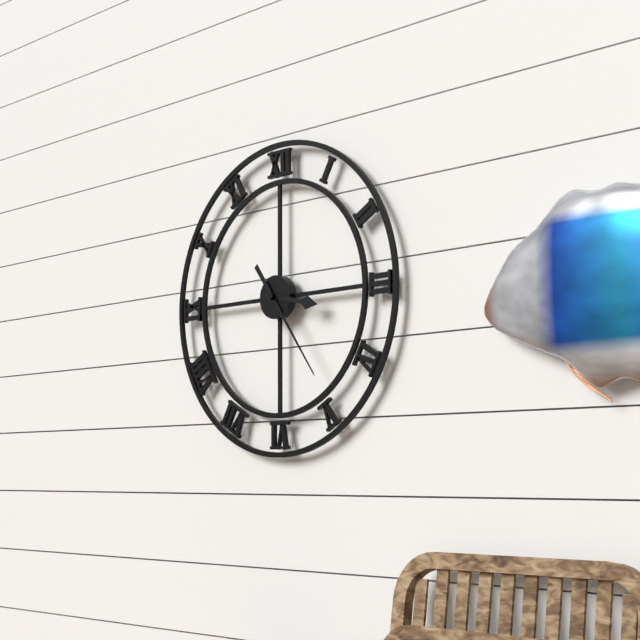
3:24
